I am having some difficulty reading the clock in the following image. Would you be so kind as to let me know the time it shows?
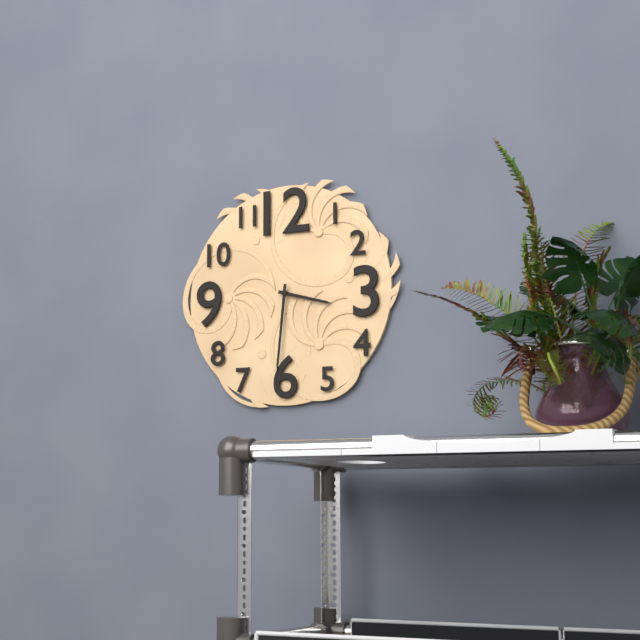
3:31
